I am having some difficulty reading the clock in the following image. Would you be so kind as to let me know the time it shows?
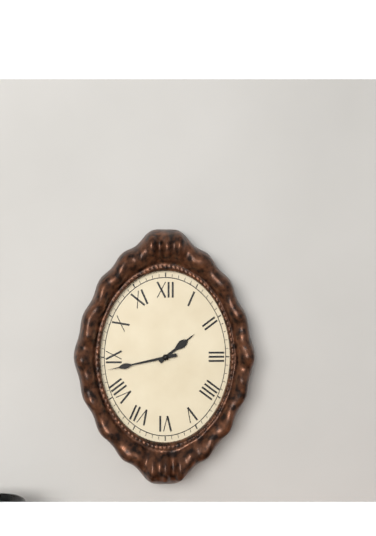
1:43
